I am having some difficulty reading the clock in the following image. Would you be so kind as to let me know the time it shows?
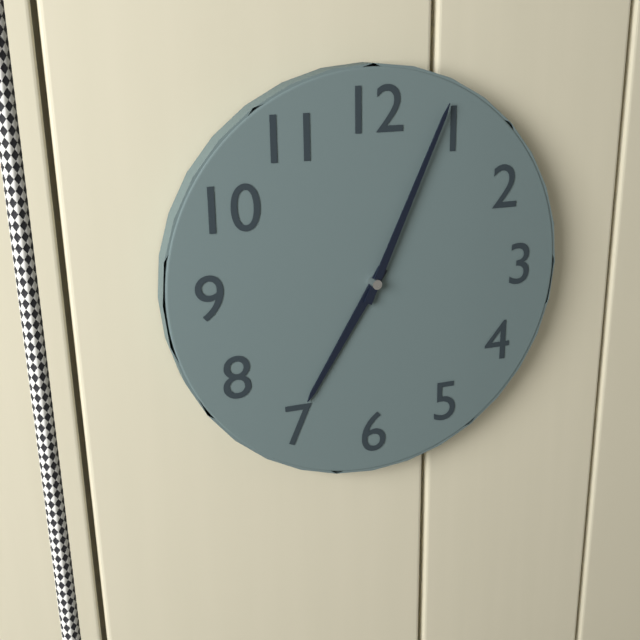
7:04
